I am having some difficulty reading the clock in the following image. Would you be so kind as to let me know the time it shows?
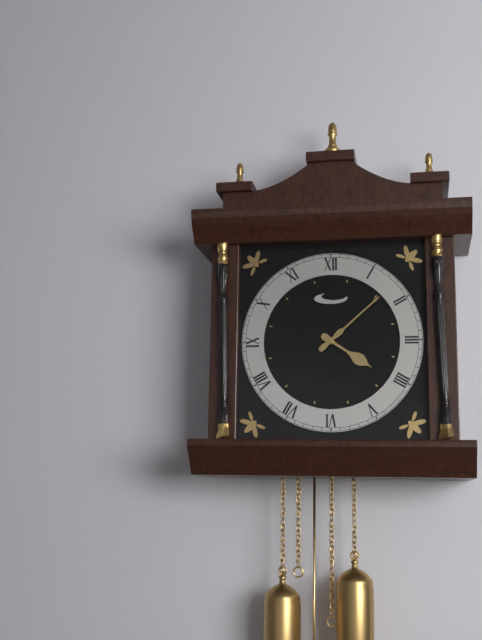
4:08
